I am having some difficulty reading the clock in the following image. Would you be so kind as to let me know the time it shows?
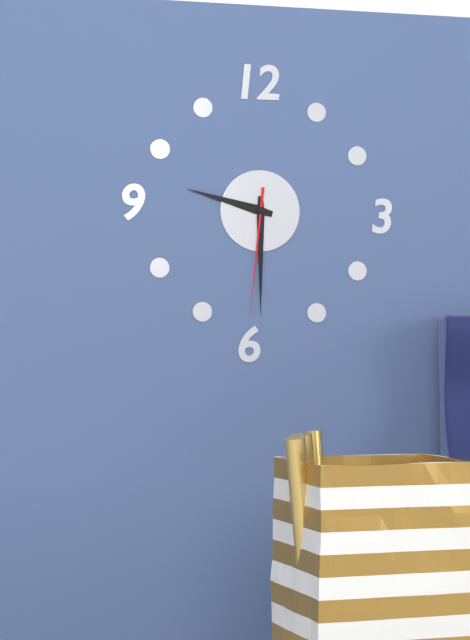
9:30:31
